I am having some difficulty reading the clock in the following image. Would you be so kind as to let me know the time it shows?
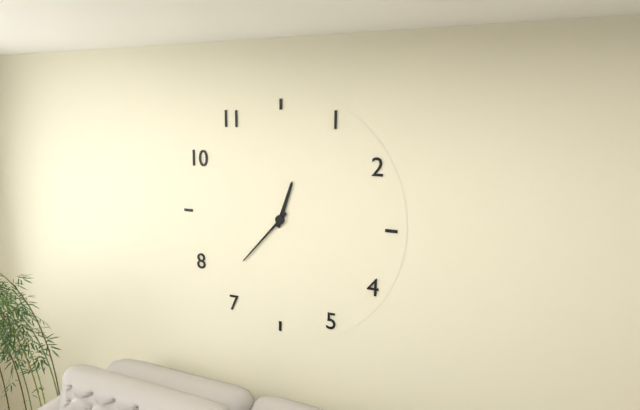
12:37
